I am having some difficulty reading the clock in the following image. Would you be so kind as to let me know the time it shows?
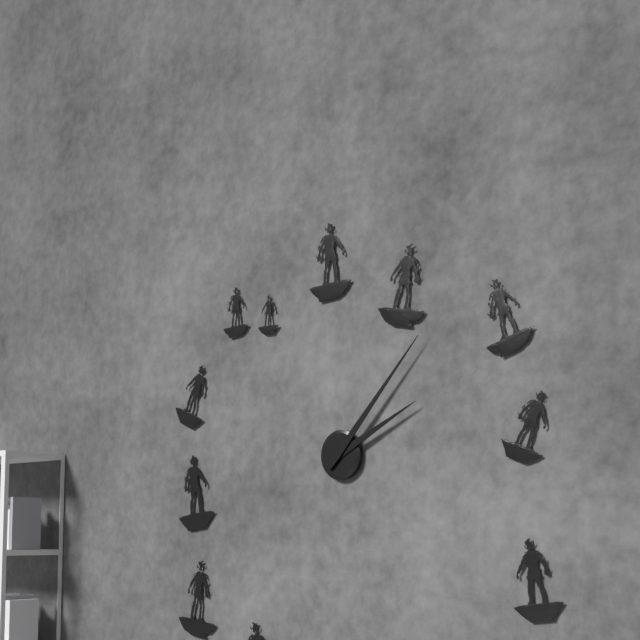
2:07
